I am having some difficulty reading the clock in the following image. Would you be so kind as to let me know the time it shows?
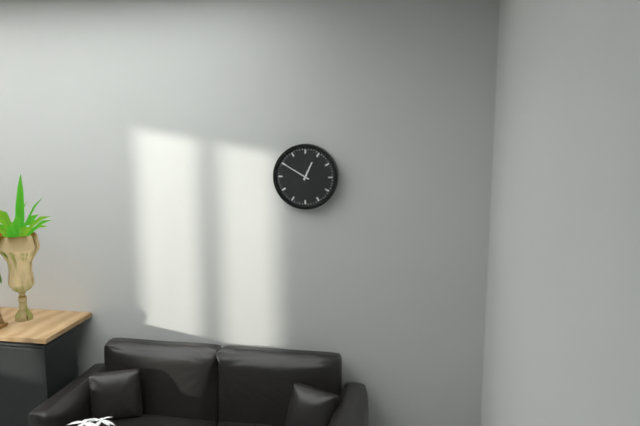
12:50
